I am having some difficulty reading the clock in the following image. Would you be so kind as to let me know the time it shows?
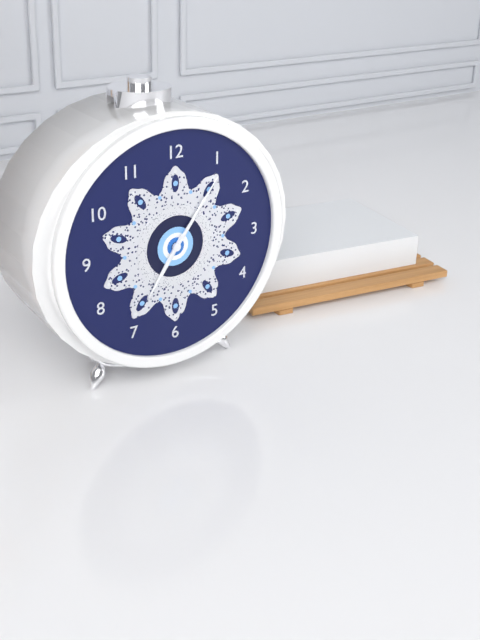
7:06
